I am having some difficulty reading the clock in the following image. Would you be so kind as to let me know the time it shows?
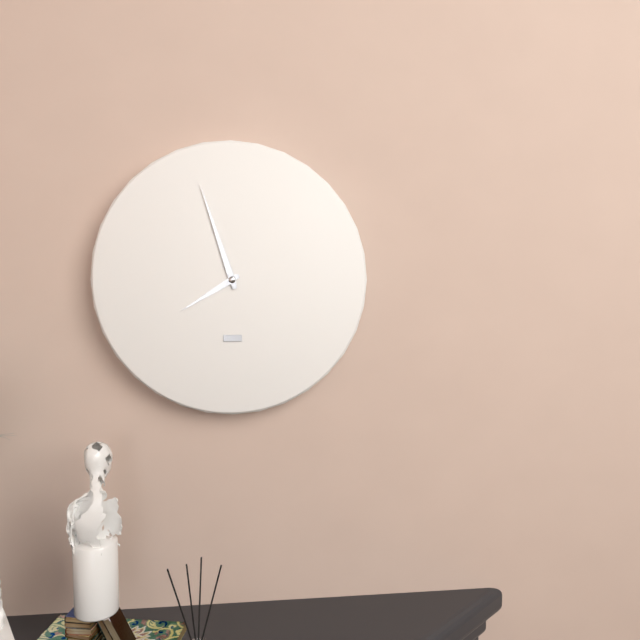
7:57
